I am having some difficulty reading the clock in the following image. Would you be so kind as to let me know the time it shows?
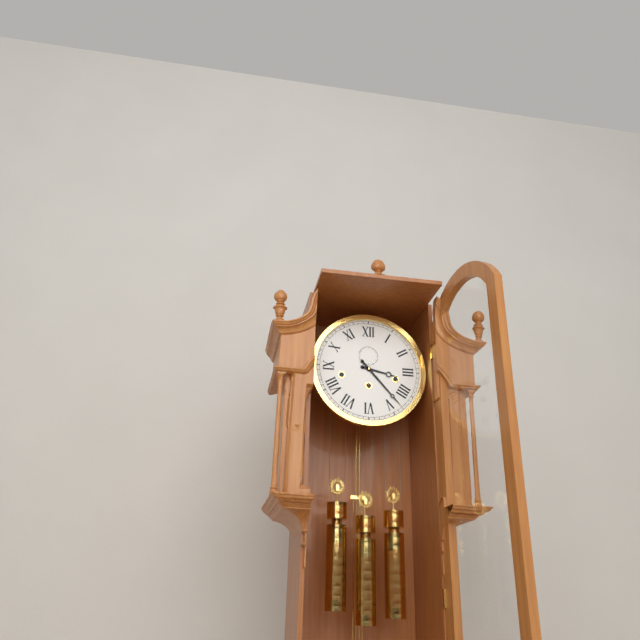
3:23
